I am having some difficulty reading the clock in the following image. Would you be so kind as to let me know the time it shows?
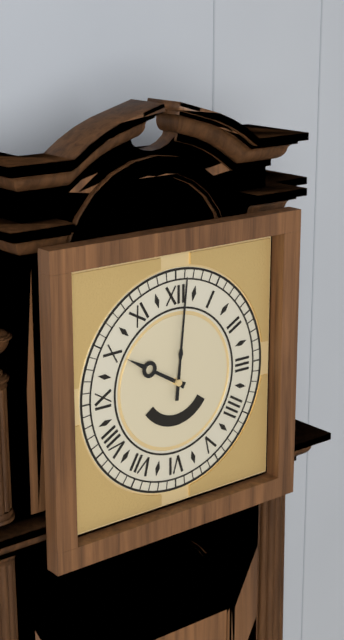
10:01
